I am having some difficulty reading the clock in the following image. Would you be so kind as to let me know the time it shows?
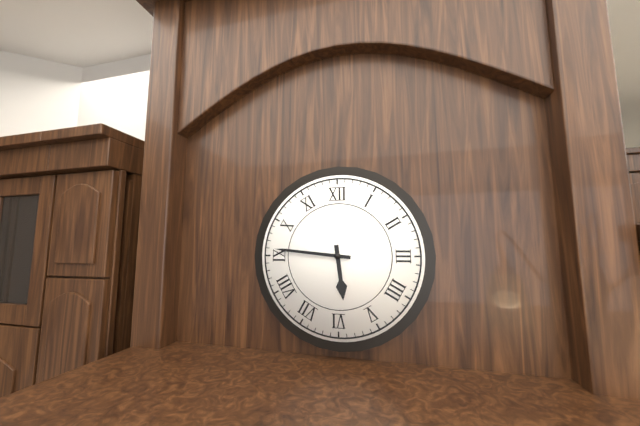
5:46
